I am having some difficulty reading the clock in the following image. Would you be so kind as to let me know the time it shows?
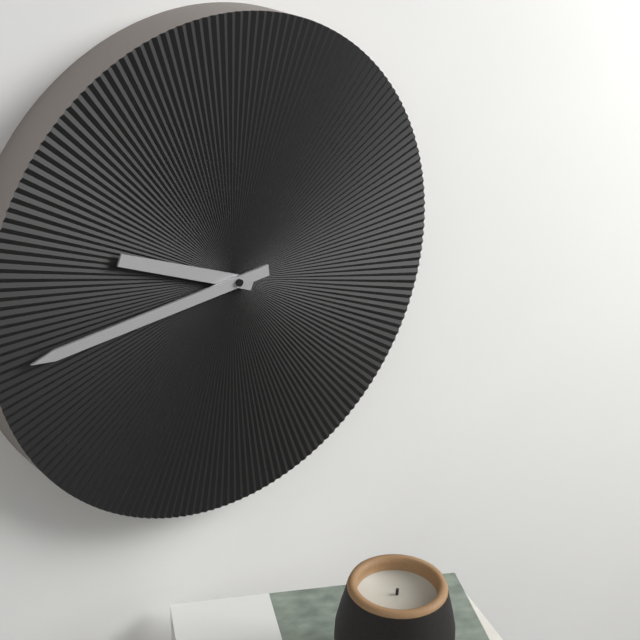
9:44
